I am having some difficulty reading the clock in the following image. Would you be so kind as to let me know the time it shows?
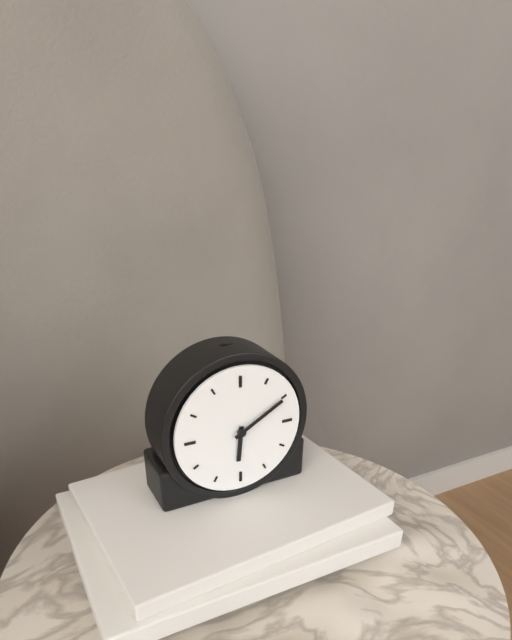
6:10
